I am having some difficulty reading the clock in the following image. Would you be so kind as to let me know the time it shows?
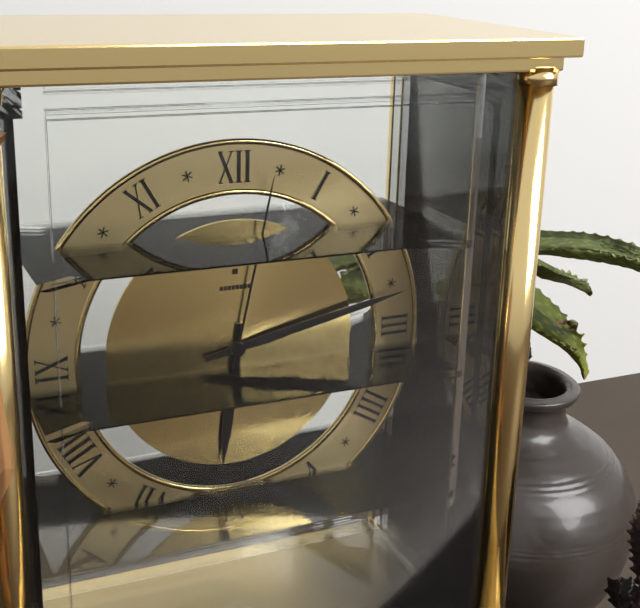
6:13:02
